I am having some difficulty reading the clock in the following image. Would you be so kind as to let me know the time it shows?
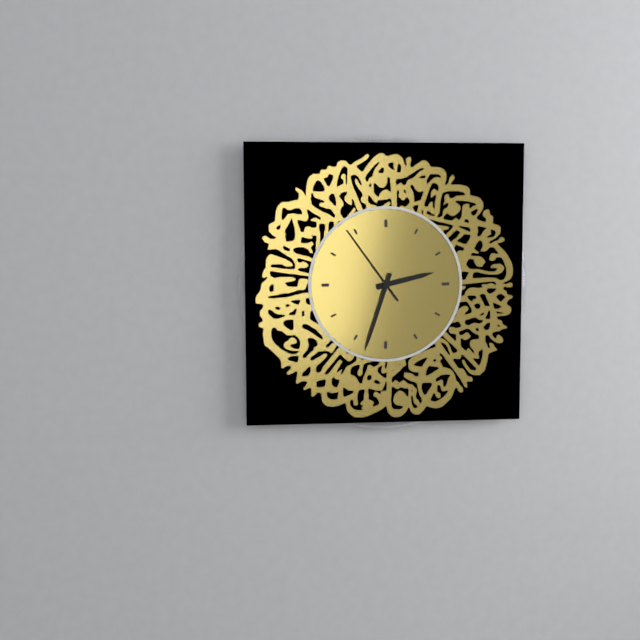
2:33:54
